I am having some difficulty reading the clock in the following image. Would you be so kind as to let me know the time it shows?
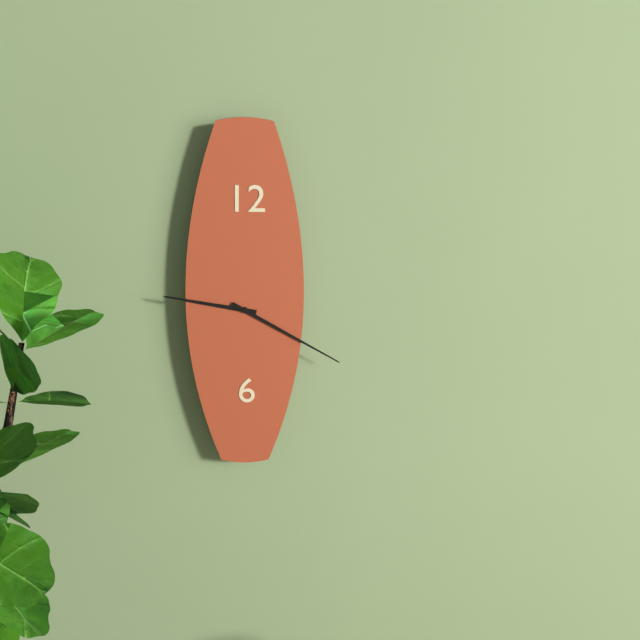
9:20
